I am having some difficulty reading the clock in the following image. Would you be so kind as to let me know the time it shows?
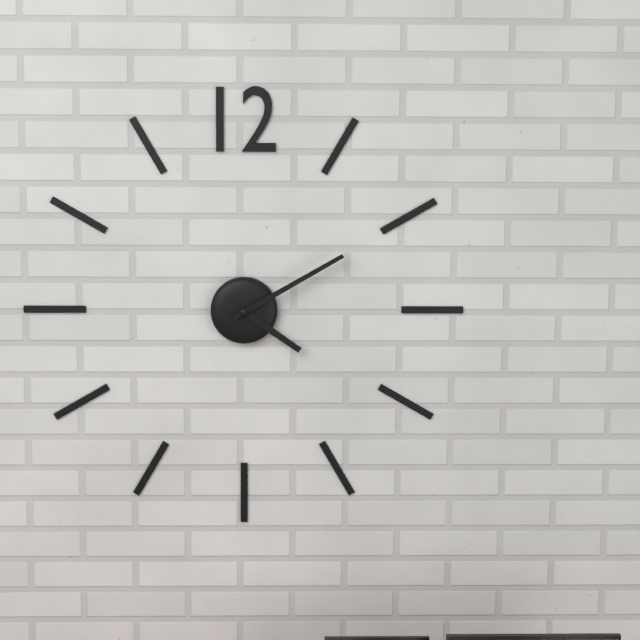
4:10
